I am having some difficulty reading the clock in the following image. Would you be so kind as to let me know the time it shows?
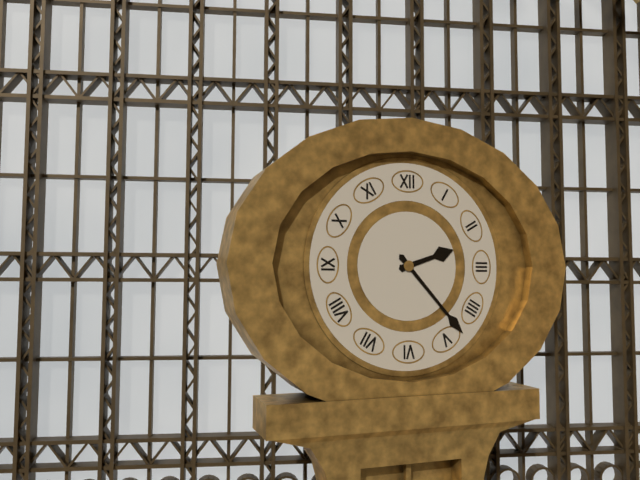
2:23
